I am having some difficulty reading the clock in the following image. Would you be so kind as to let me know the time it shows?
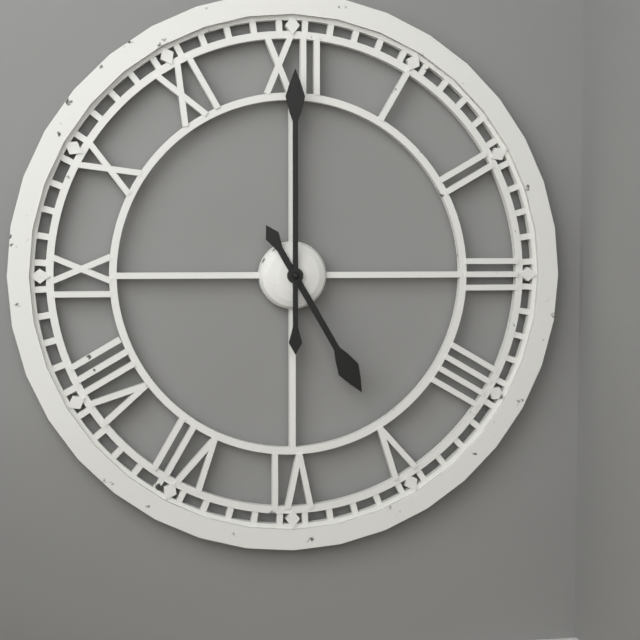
5:00
